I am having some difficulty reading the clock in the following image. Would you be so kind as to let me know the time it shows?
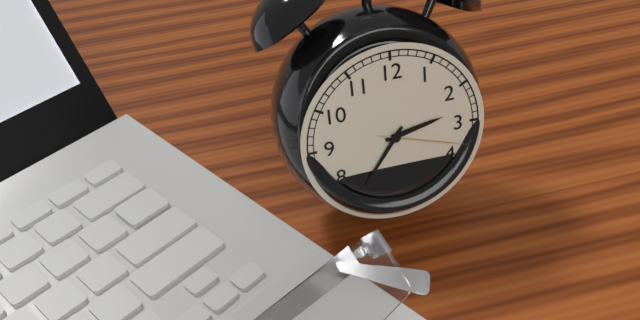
2:36:18
